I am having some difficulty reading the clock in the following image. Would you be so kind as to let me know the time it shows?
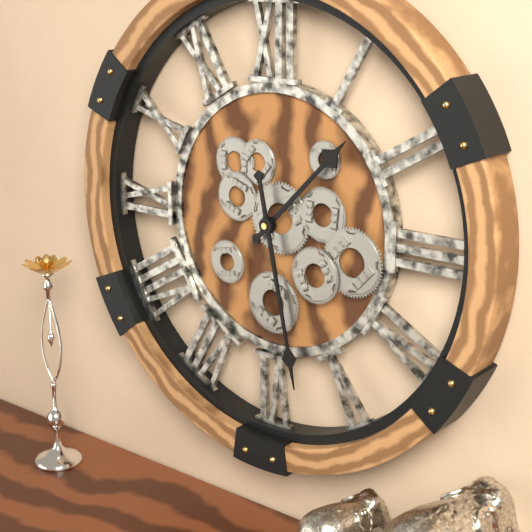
1:28
